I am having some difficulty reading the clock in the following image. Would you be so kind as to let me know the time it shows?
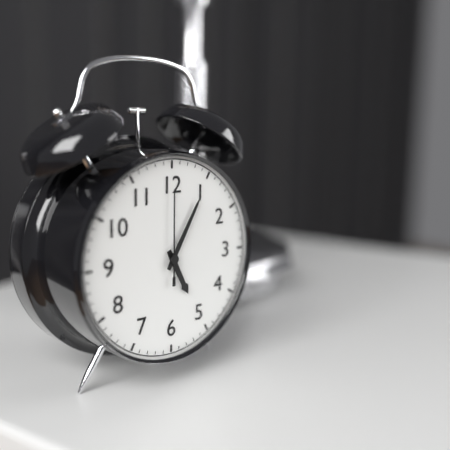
5:05:00
